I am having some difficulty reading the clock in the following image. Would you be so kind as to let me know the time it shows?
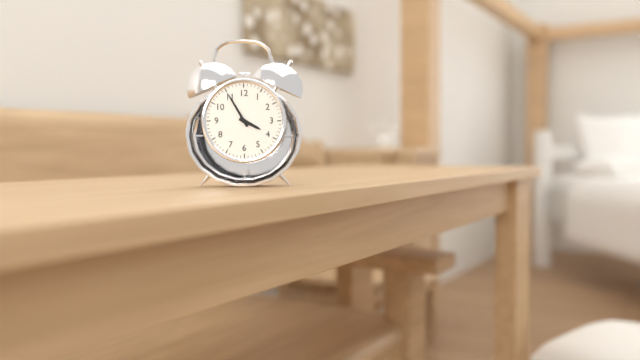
3:55
